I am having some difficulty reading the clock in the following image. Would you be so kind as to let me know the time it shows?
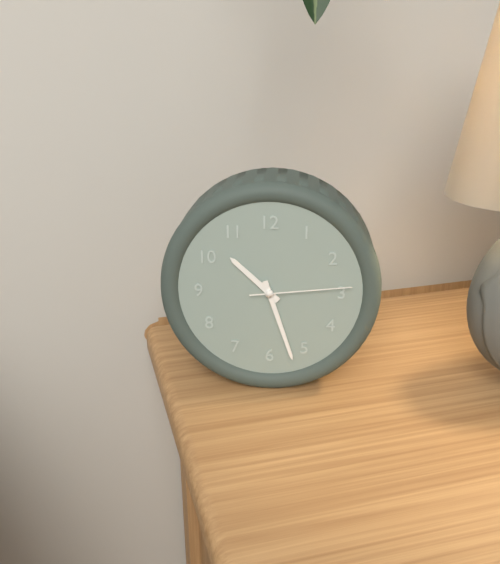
10:27:14
